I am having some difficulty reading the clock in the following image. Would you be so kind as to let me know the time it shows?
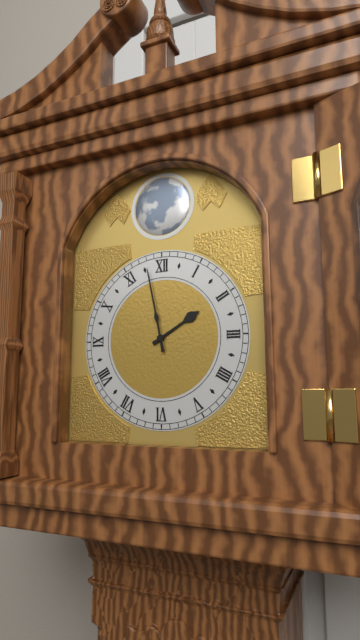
1:58
